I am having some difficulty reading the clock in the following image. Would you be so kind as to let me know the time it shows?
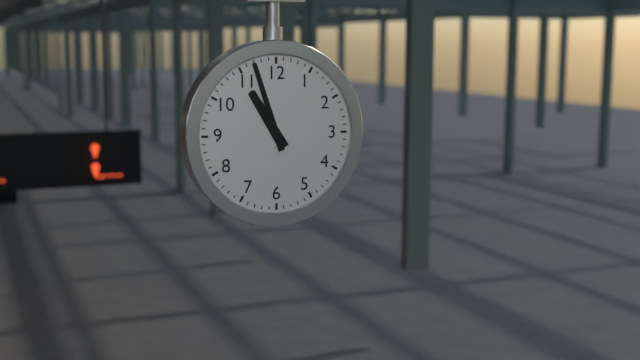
10:57
